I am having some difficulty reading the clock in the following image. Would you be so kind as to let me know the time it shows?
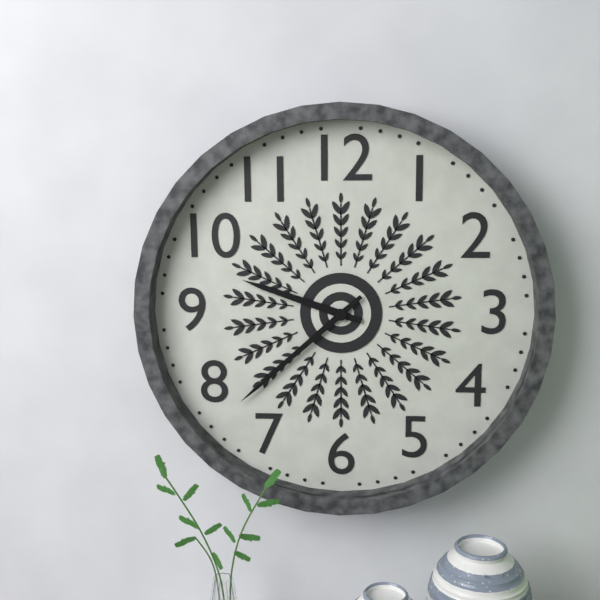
9:38
